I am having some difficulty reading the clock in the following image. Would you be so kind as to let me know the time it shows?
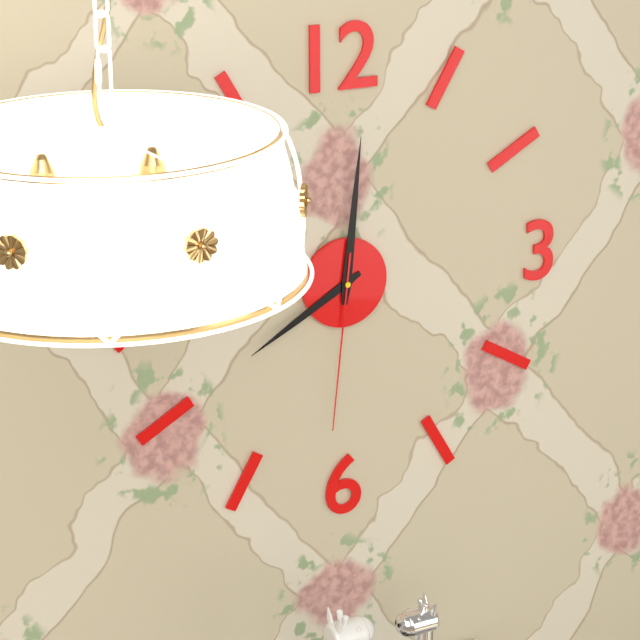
8:01:31
